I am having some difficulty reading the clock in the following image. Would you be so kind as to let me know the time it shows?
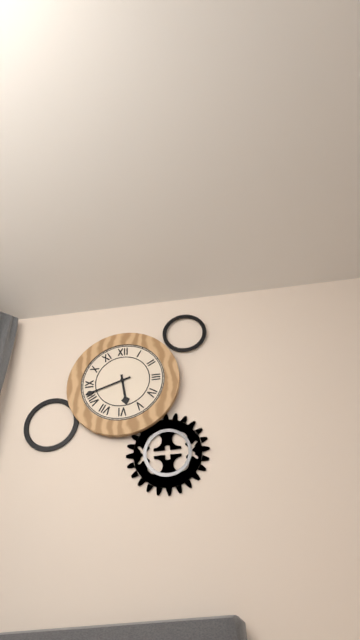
5:42
